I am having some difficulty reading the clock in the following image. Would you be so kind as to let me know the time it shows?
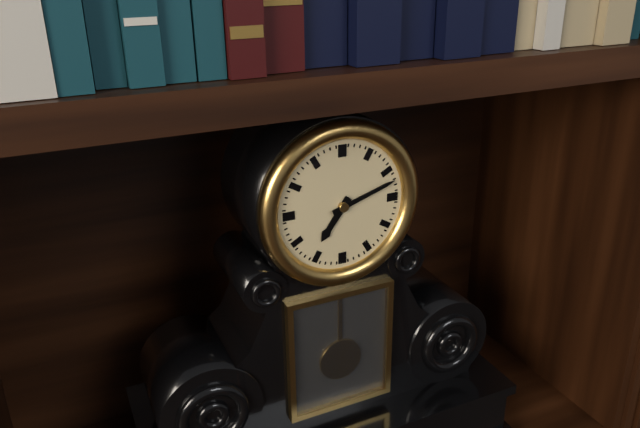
7:12
